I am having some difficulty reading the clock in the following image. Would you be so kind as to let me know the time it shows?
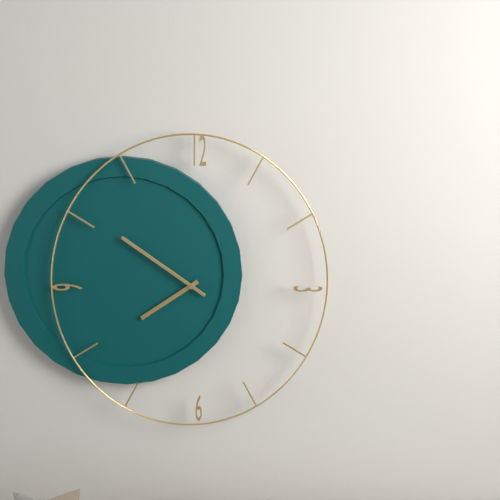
7:51
